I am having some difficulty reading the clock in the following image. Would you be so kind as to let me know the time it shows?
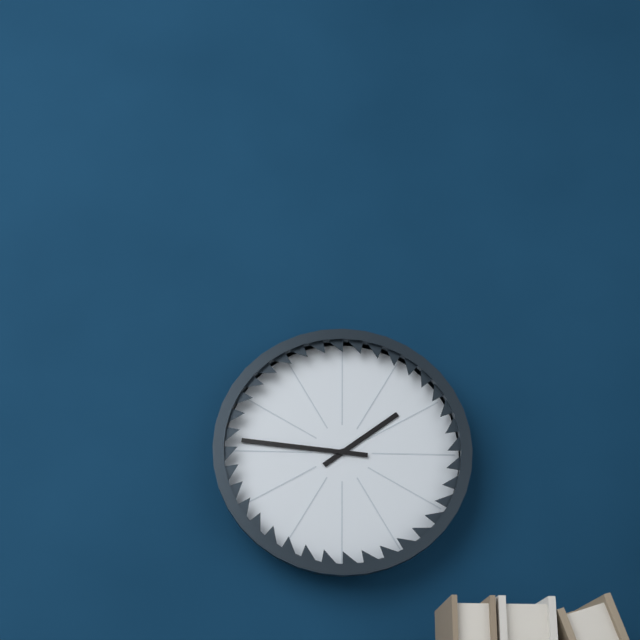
1:46
